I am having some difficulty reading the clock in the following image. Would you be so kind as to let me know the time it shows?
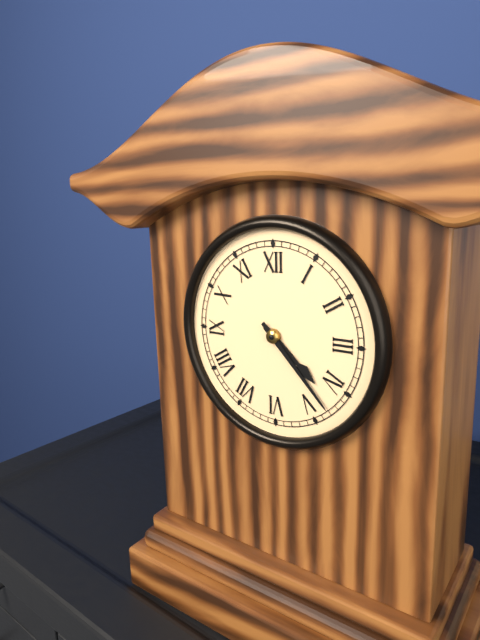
4:23
